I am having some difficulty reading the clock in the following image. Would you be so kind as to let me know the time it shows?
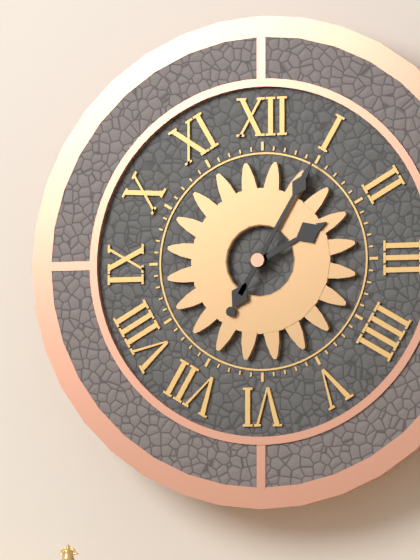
2:05
